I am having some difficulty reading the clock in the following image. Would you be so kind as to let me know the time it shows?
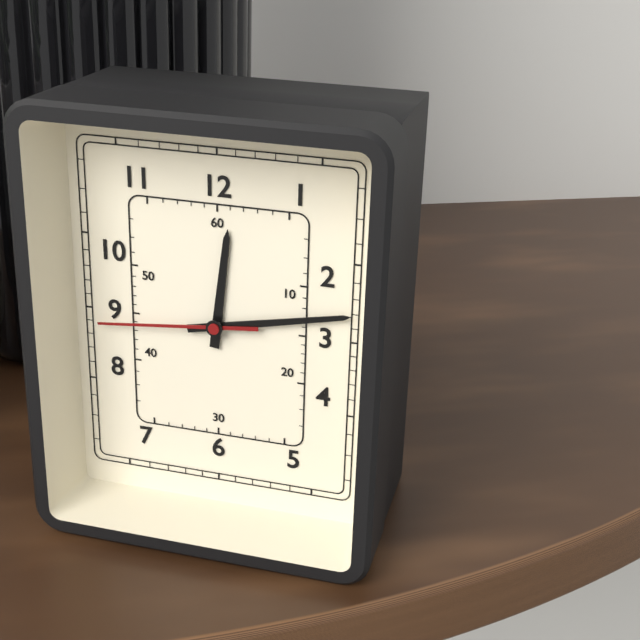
12:13:44
